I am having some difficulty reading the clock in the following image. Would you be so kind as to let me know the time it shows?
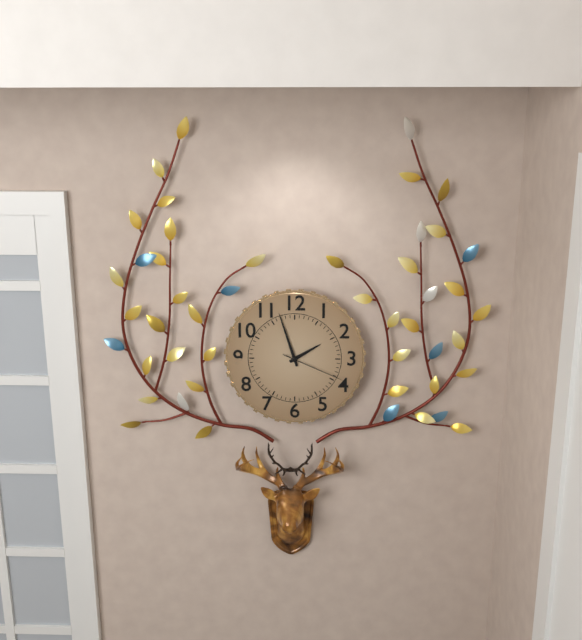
1:57:19
